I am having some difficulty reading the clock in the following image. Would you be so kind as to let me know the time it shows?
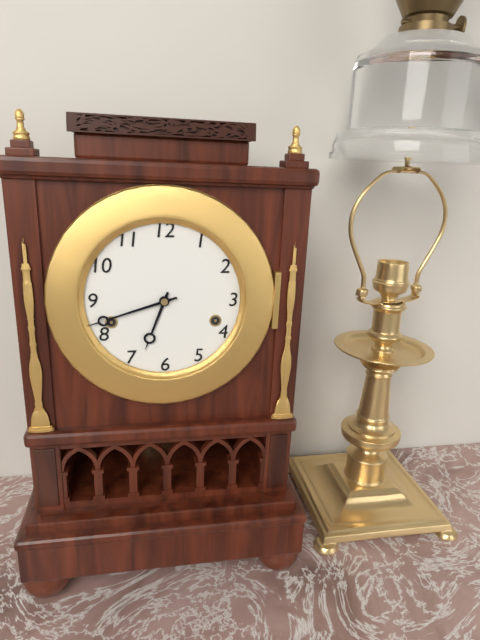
6:42
